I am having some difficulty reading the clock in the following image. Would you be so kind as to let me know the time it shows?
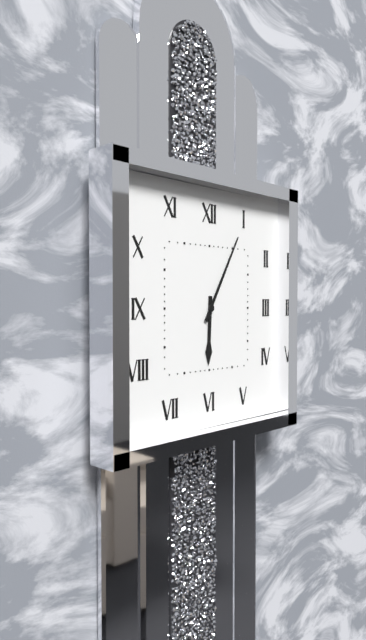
6:05
